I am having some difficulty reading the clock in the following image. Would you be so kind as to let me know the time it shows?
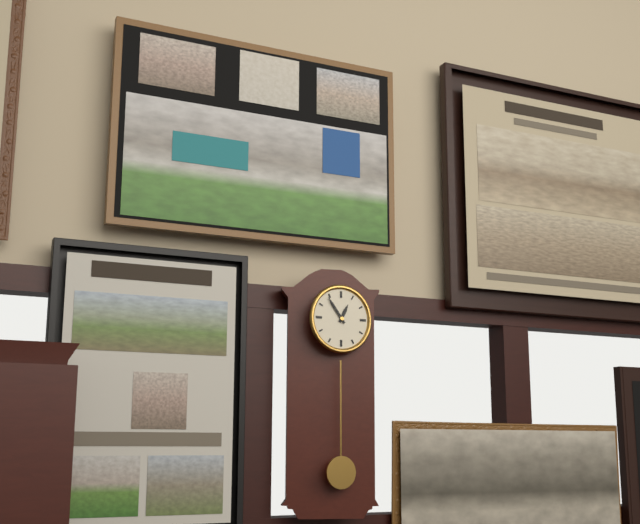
12:54
